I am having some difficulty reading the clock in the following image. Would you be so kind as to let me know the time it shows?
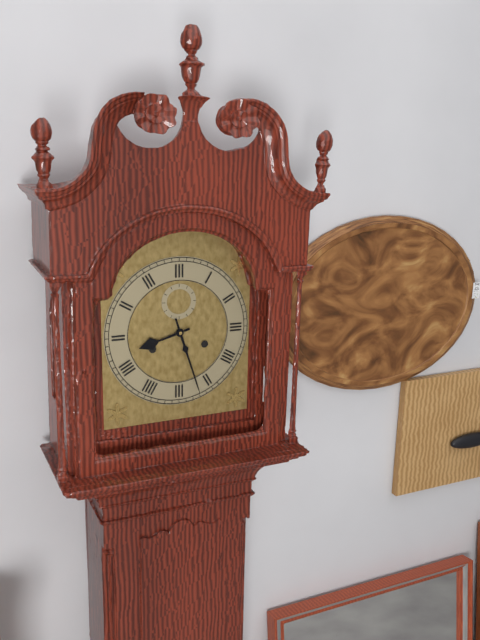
8:27
